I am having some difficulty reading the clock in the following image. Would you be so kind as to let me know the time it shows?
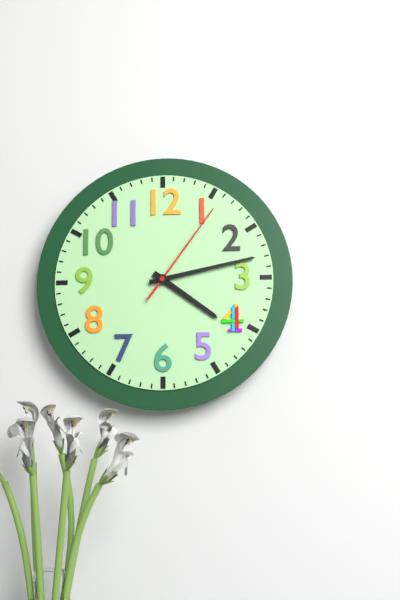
4:13:06
